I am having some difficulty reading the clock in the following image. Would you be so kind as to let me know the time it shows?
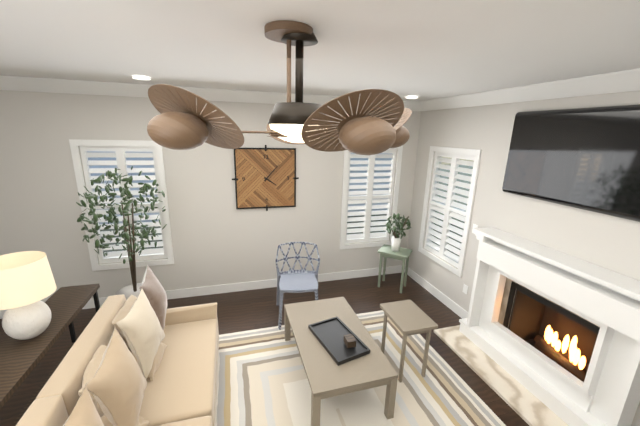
4:07
